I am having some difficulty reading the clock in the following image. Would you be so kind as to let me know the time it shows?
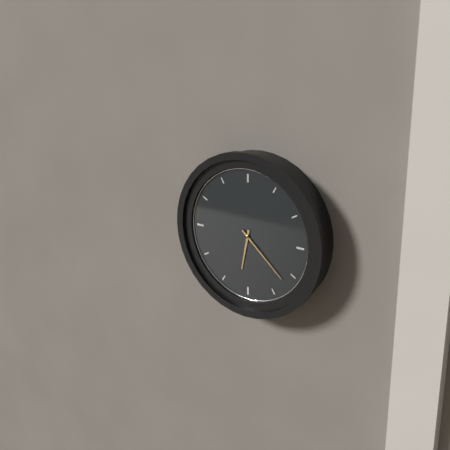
6:22
